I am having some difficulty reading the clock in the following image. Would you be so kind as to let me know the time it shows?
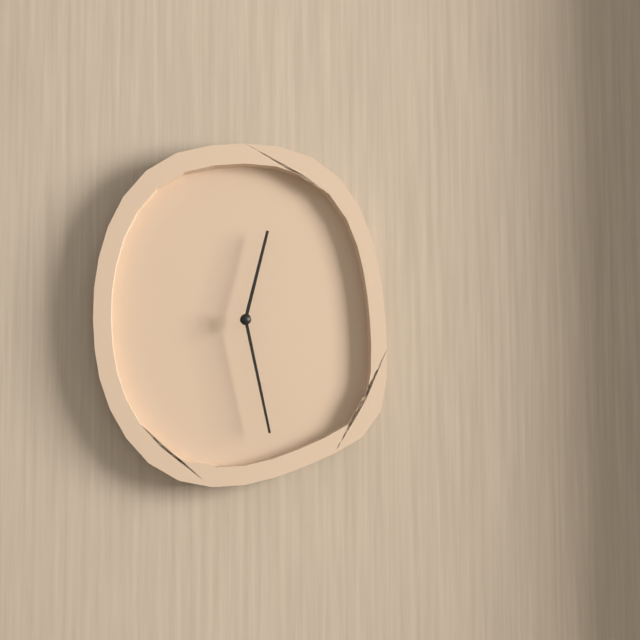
12:28
